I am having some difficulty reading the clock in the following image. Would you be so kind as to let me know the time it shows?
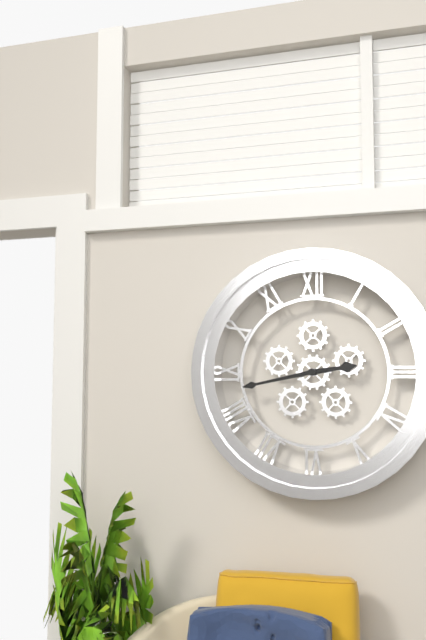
2:43
